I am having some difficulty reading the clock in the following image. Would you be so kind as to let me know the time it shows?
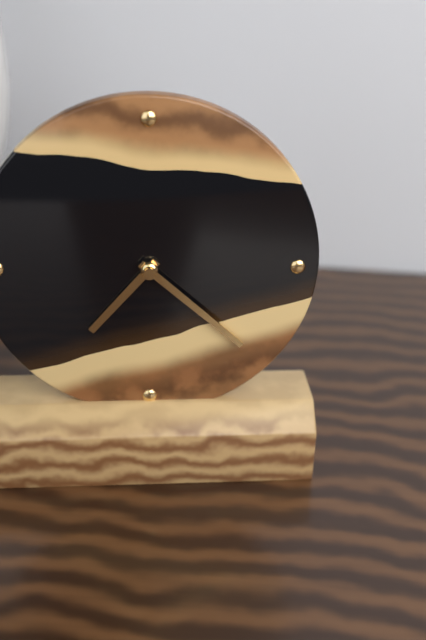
7:22
